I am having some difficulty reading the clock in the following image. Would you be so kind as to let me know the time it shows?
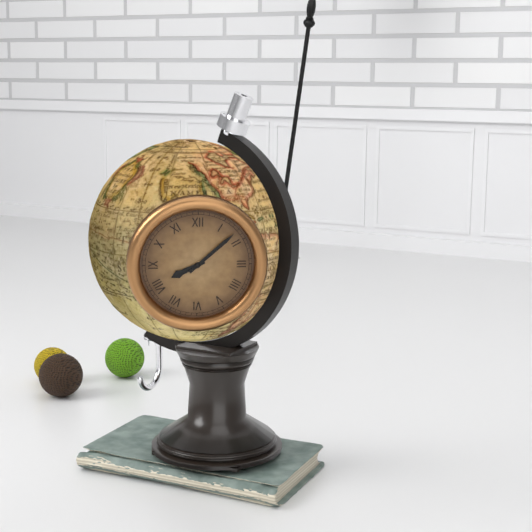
8:08
